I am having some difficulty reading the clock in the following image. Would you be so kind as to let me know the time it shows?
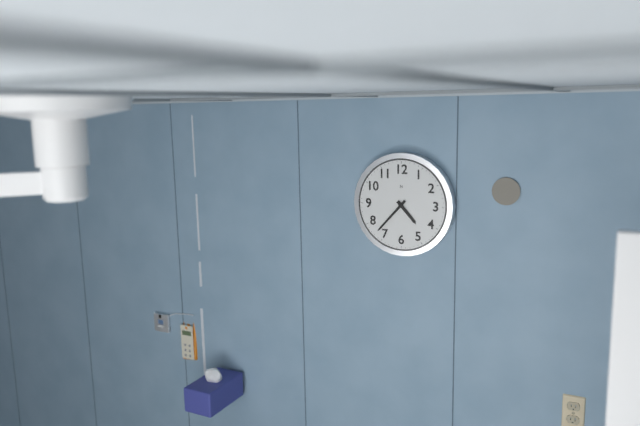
4:37
